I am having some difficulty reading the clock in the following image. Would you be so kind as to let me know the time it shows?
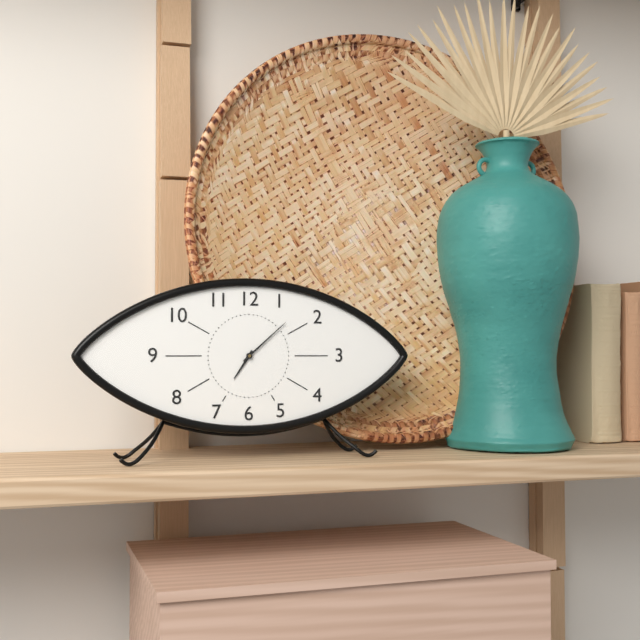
7:08
